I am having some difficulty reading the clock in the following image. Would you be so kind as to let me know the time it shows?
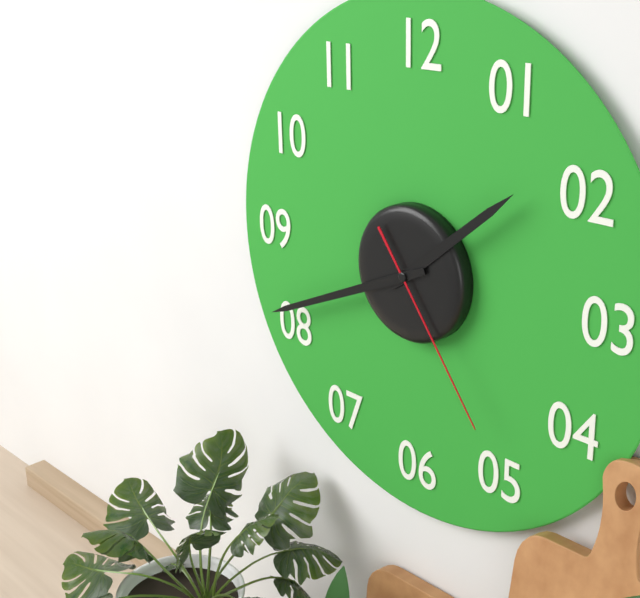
1:41:24
